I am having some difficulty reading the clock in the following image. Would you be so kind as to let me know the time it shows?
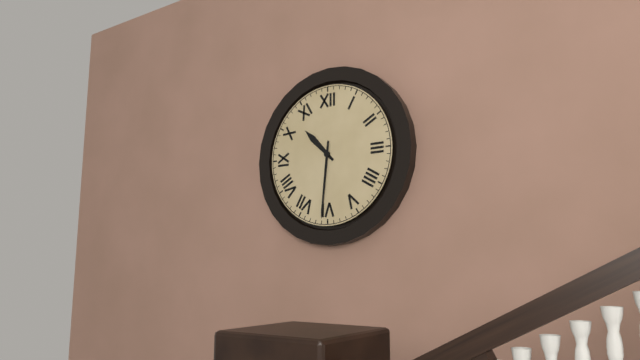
10:31
